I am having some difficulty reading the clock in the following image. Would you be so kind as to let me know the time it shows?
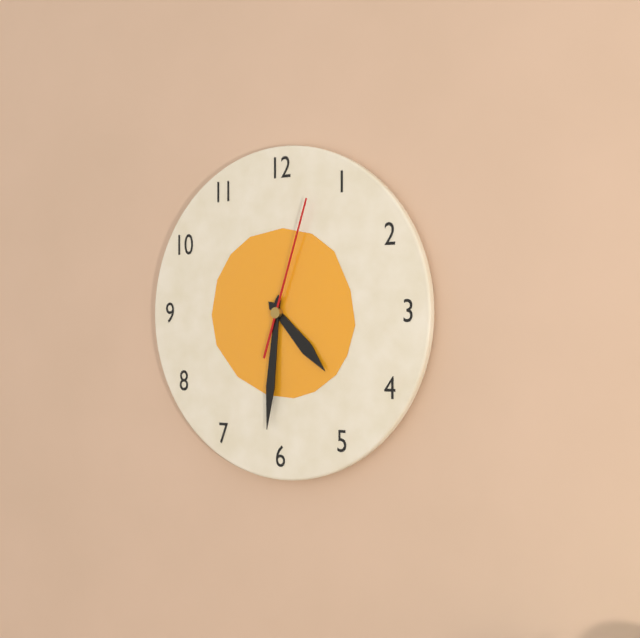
4:31:03
